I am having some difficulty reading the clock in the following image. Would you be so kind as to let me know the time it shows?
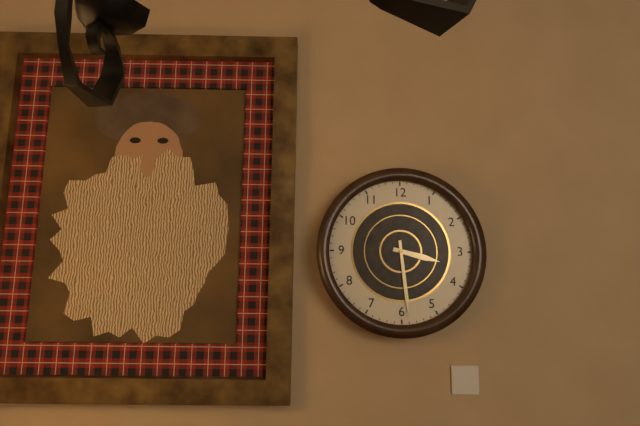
3:29
